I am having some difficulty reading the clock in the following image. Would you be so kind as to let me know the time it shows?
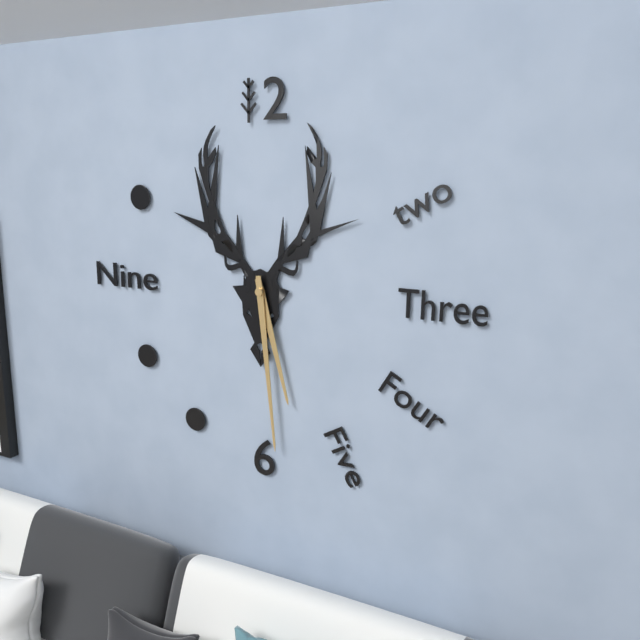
5:29
